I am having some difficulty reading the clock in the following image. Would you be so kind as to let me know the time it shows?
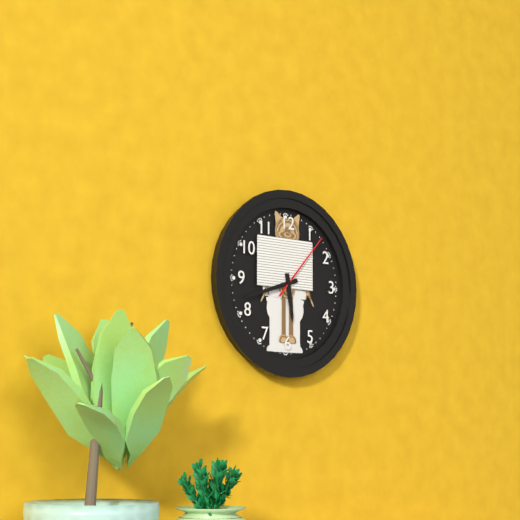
5:42:07
